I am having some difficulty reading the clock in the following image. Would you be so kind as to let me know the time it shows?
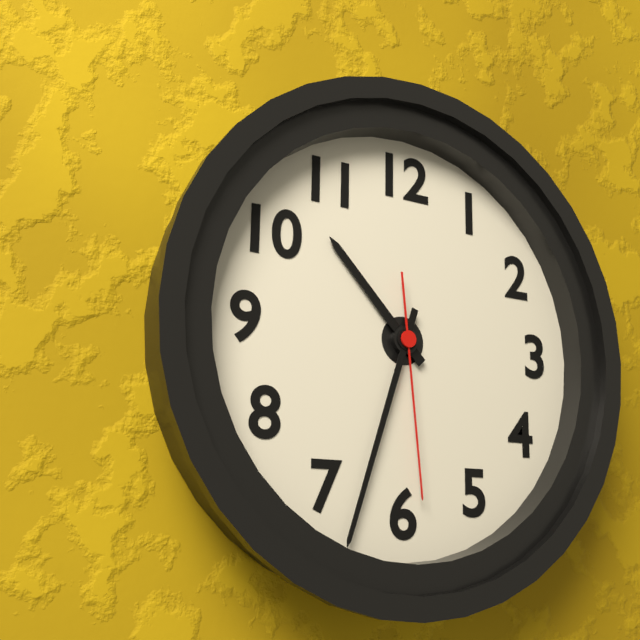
10:33:29
